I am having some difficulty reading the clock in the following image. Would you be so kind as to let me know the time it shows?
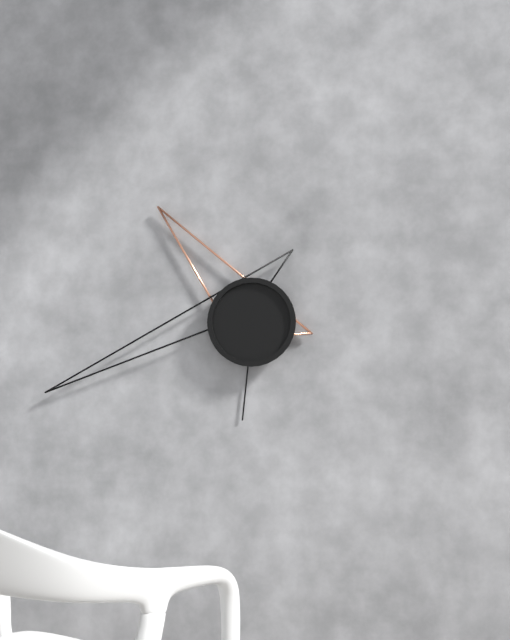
10:42:31
